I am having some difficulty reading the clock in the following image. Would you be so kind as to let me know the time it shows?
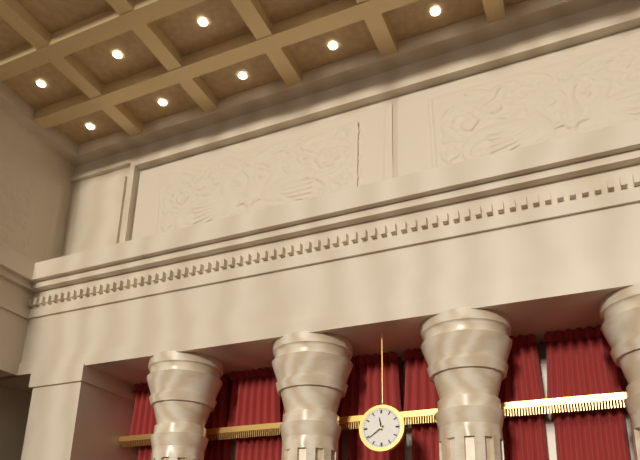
11:39
